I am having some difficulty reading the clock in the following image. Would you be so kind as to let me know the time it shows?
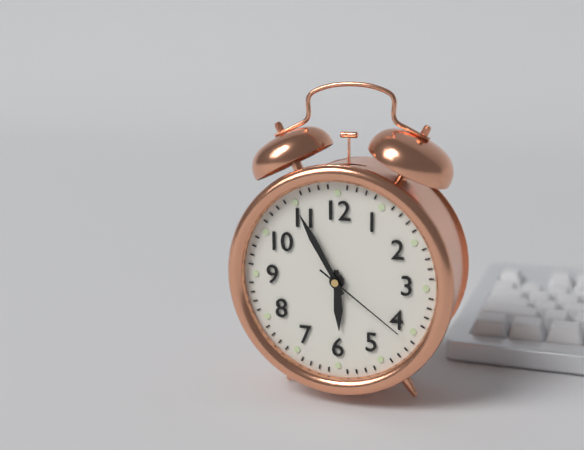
5:55:21
